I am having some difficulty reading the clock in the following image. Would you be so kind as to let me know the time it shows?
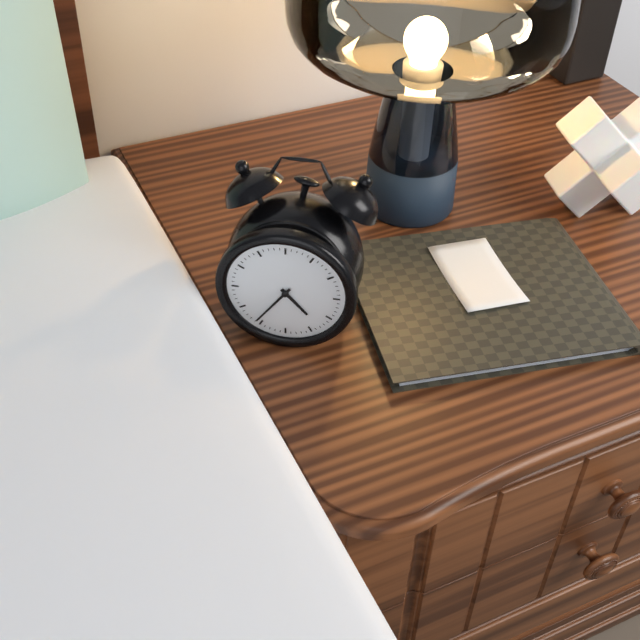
4:36
